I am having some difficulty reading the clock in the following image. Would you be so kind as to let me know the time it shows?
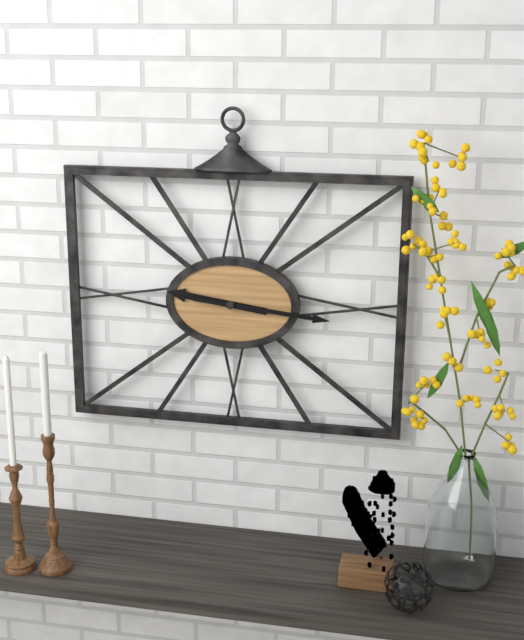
9:16
